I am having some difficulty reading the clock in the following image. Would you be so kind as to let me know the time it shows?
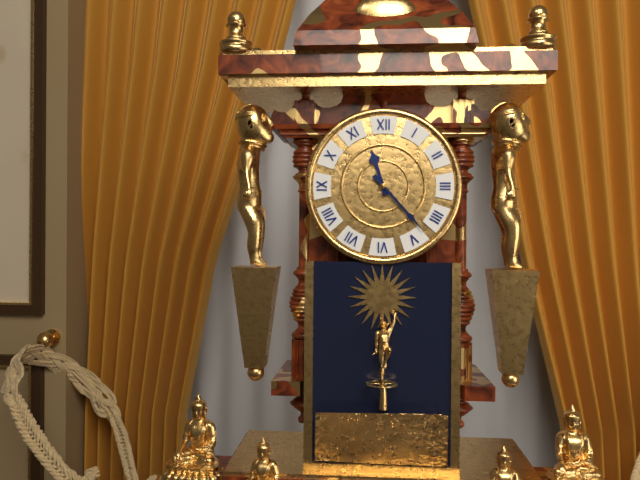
11:23
